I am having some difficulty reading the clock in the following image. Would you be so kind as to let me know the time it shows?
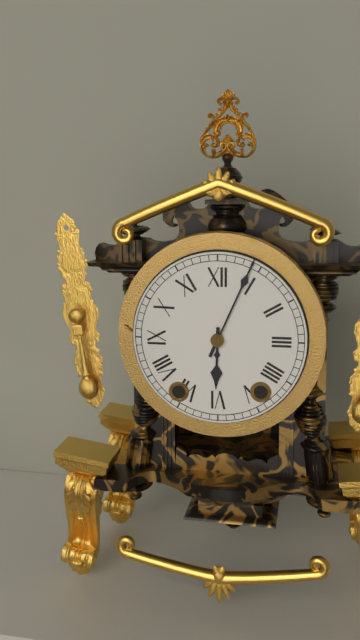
6:04
